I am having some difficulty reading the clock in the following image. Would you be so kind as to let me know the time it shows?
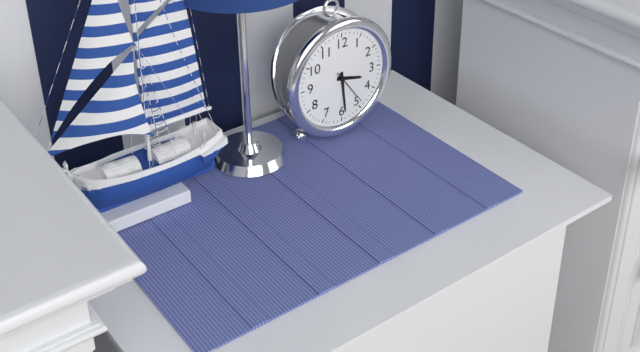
3:29
